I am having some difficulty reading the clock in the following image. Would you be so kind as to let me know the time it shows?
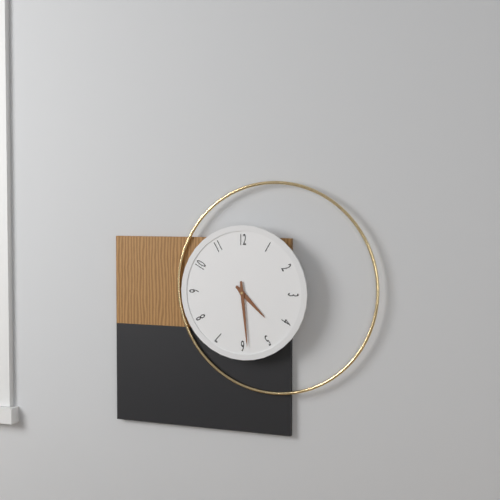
4:29
